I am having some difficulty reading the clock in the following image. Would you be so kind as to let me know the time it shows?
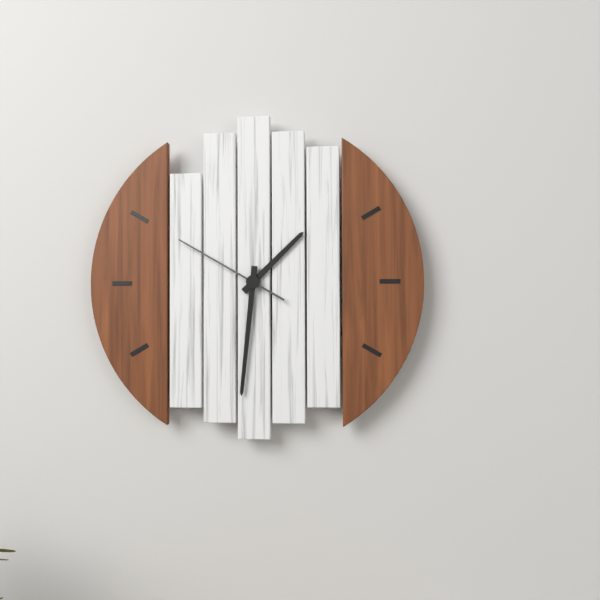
1:31:50
